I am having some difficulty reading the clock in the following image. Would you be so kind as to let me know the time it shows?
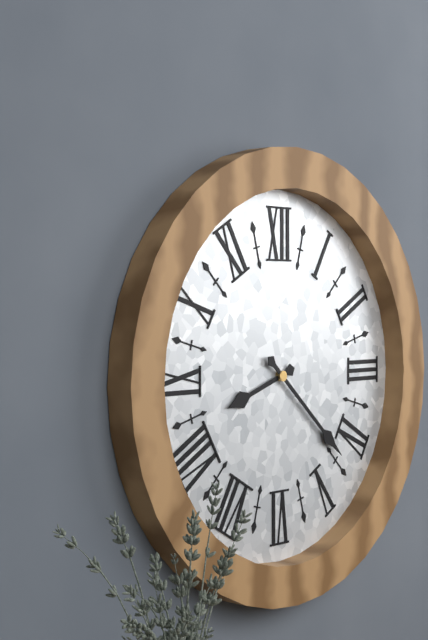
8:22
